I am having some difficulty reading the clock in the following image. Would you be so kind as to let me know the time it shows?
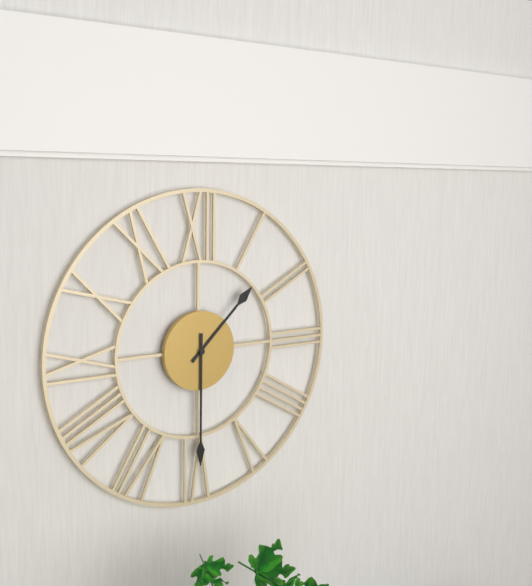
1:30
